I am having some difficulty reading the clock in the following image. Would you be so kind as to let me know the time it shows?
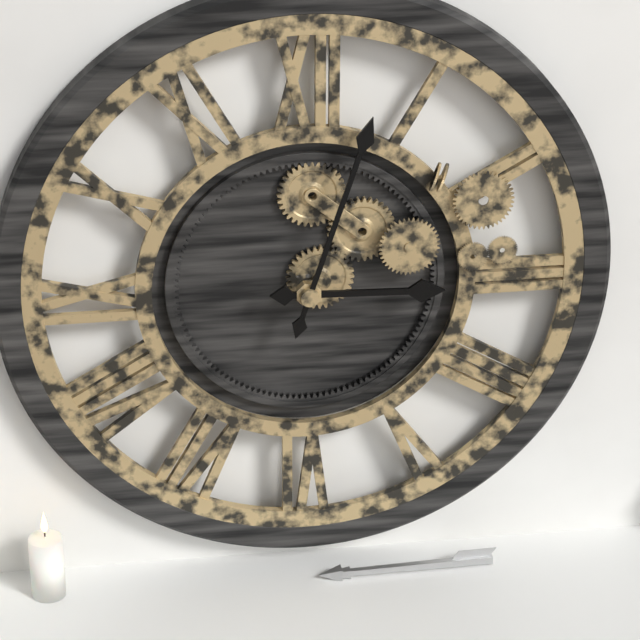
3:03
